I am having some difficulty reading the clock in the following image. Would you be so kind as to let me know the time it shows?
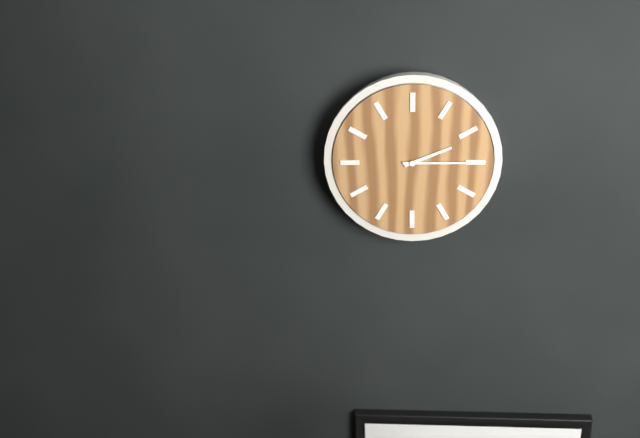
2:15
